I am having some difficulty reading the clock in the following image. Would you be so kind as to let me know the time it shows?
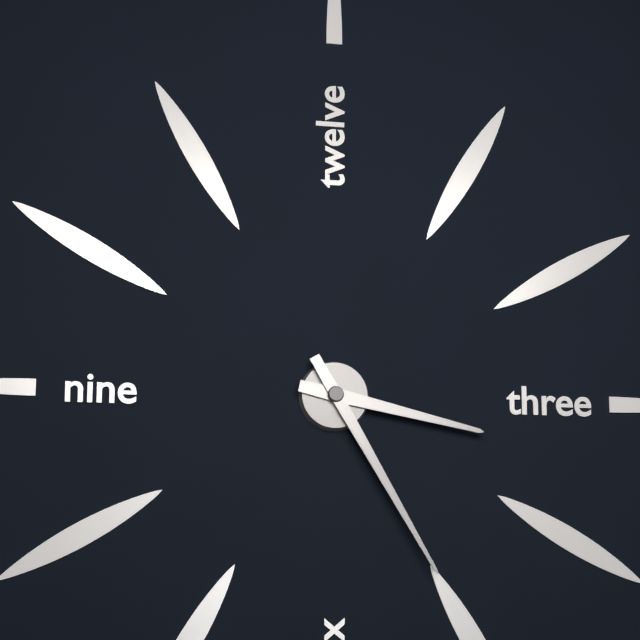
3:25
